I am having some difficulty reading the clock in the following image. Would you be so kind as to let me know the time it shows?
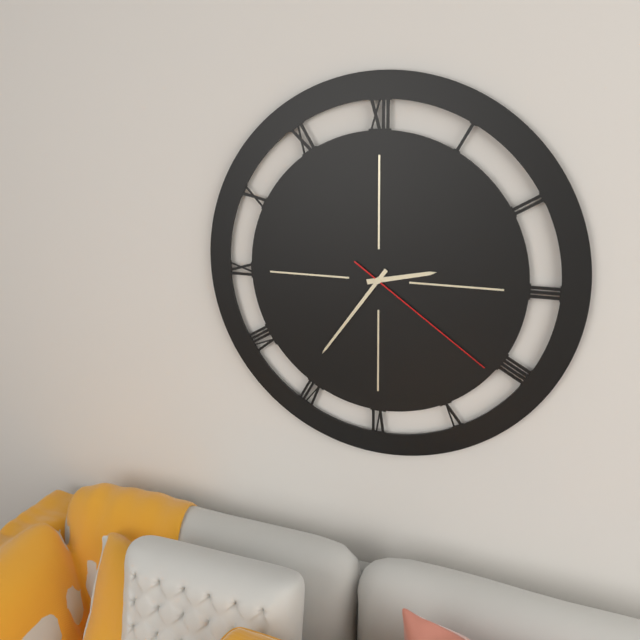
2:36:21
